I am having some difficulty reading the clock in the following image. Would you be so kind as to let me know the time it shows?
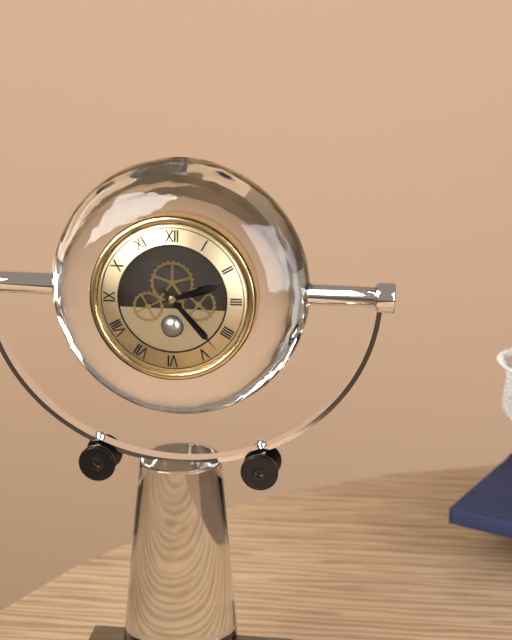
2:23
